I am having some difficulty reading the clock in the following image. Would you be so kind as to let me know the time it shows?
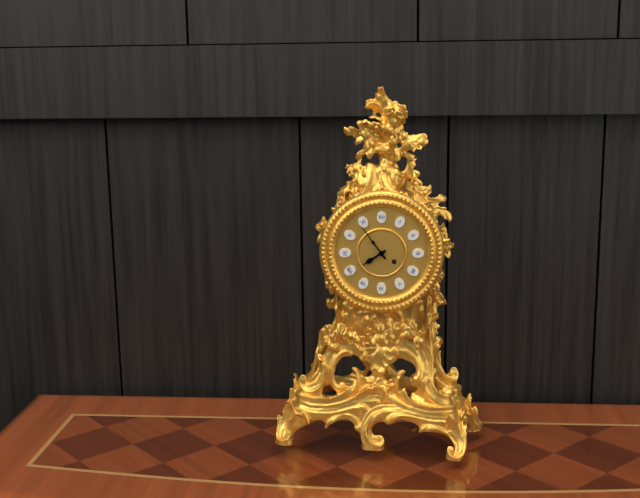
7:54
